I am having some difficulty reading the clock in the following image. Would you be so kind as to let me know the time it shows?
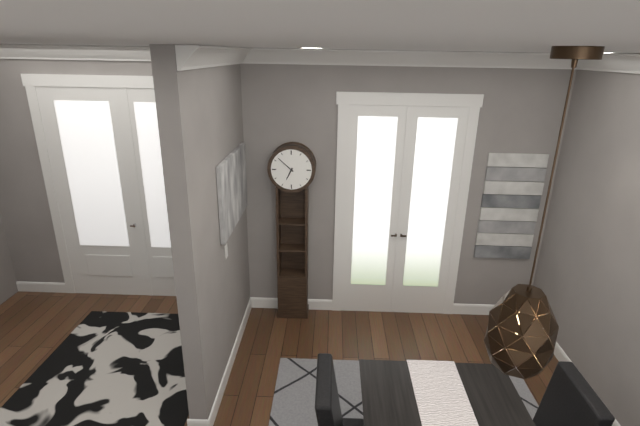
6:52
